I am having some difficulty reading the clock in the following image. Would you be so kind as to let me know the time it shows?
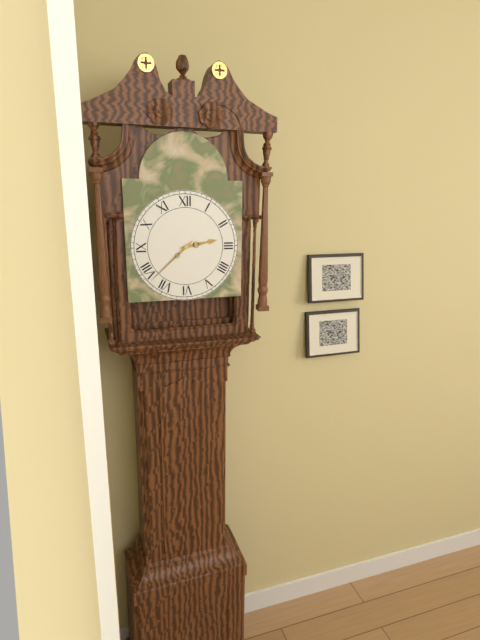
2:38
